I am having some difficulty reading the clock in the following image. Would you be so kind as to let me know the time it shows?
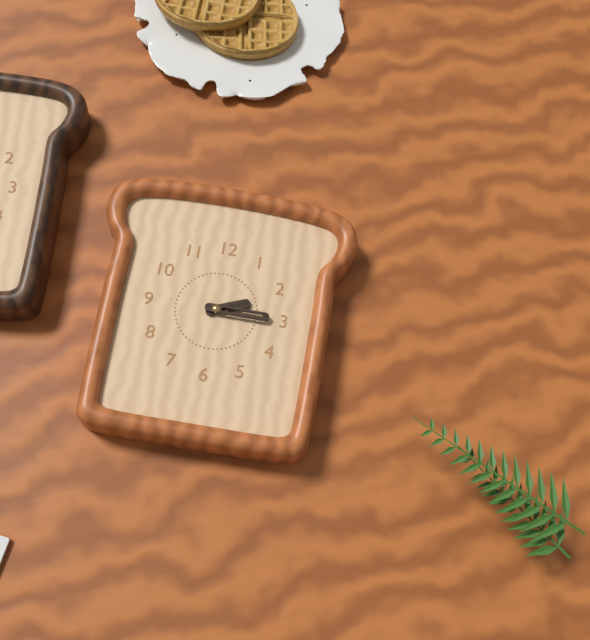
2:15
